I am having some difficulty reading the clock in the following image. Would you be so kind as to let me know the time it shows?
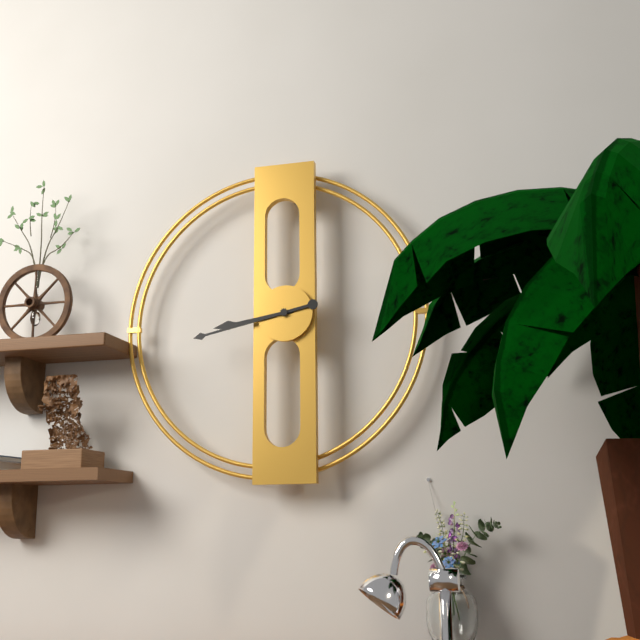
8:43
